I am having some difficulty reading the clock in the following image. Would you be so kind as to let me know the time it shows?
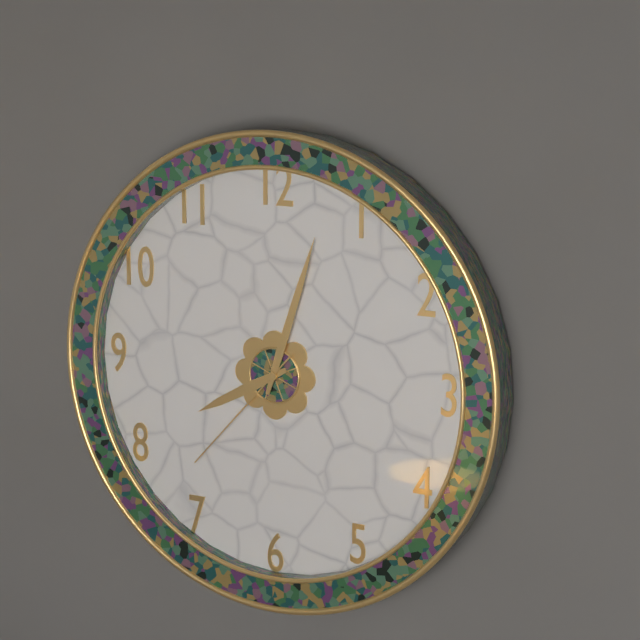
8:03:37
